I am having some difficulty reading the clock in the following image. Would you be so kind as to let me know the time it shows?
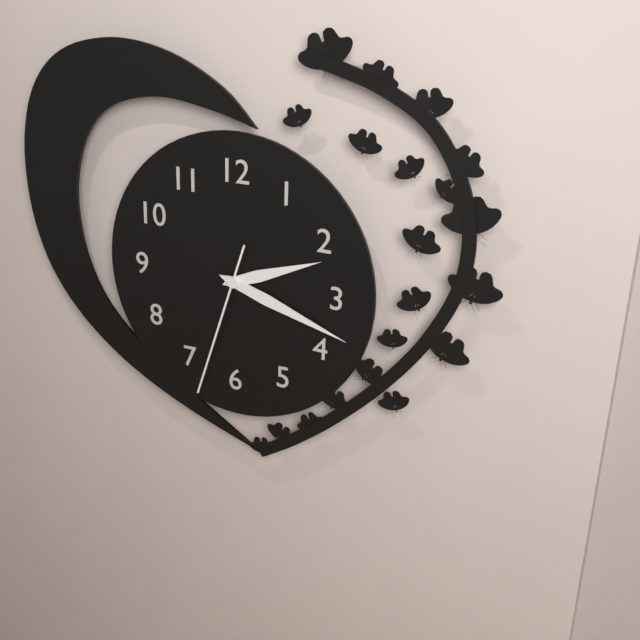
2:18:33
